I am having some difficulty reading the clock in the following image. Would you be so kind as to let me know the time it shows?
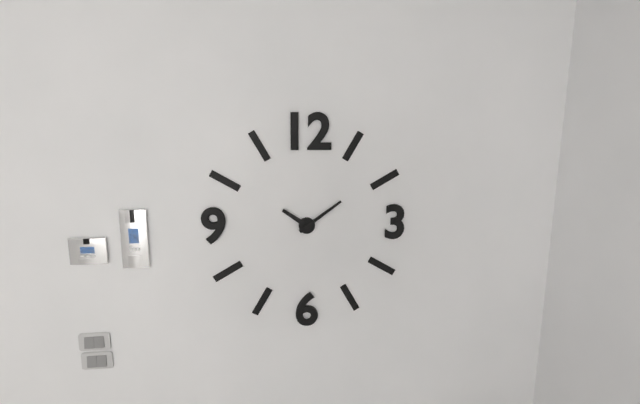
10:09
